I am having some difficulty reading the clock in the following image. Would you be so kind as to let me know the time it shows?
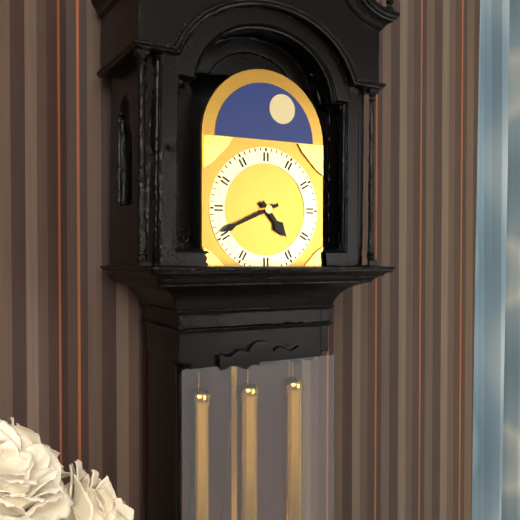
4:41
